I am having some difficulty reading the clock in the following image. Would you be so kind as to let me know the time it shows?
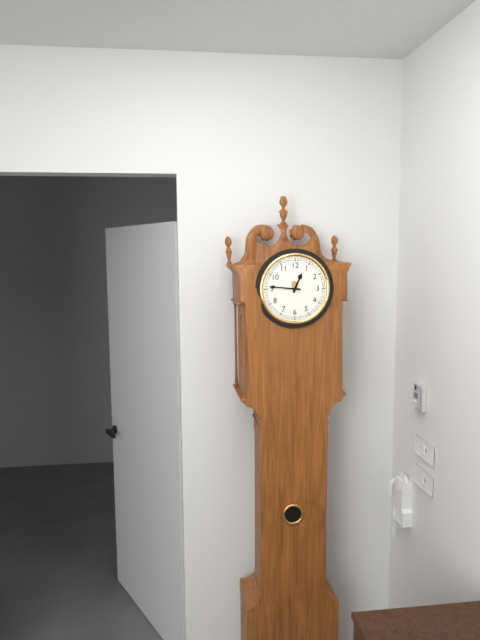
12:46
